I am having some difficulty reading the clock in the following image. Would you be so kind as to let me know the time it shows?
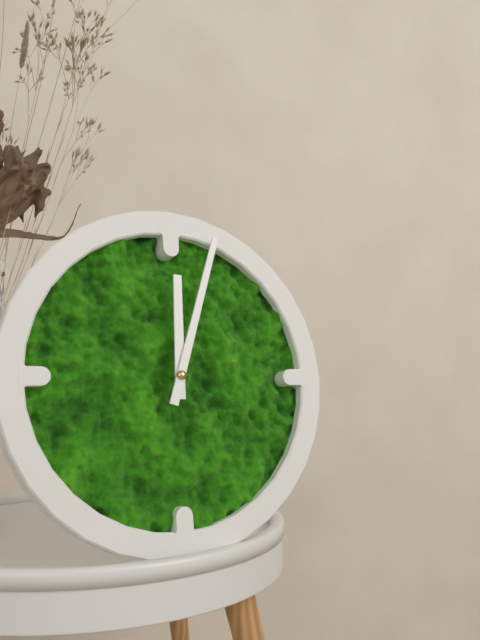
12:03
